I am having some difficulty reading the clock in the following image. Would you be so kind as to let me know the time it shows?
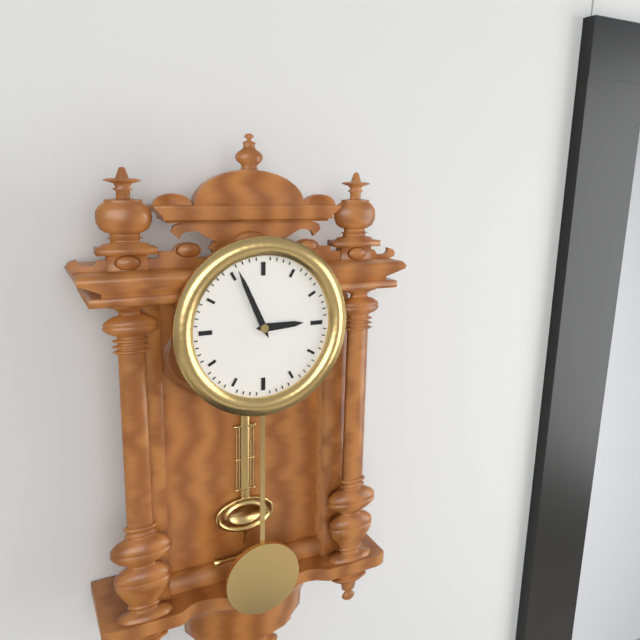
2:56
